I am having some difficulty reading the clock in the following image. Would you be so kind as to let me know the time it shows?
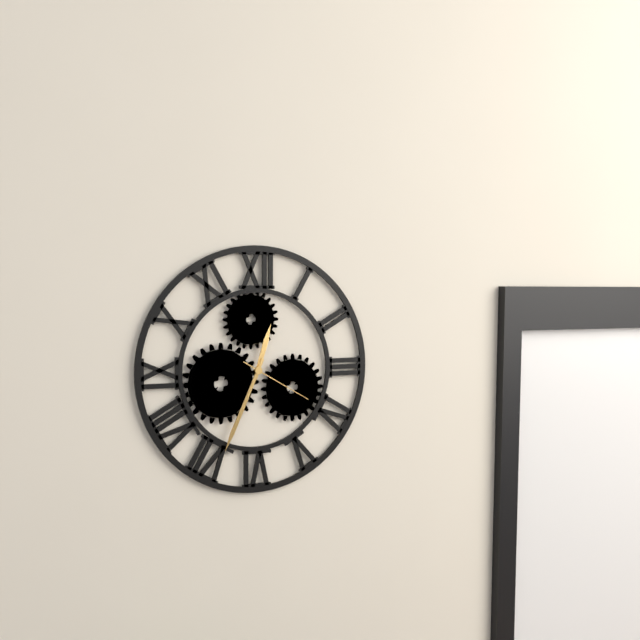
12:34:20
